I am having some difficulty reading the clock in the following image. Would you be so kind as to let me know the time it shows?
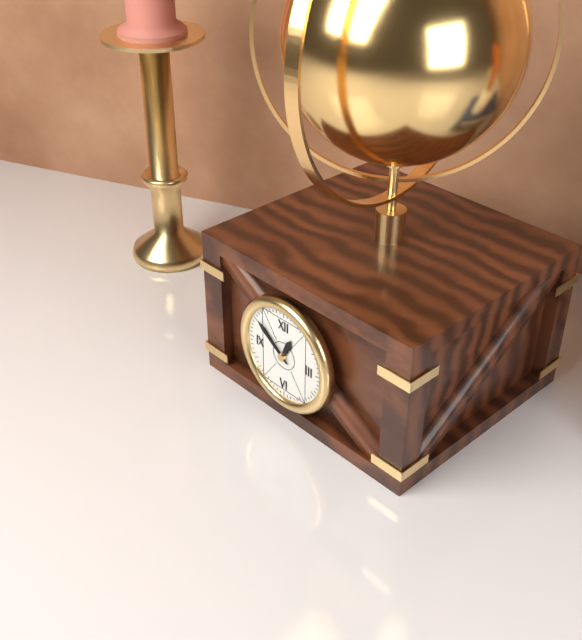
12:51
